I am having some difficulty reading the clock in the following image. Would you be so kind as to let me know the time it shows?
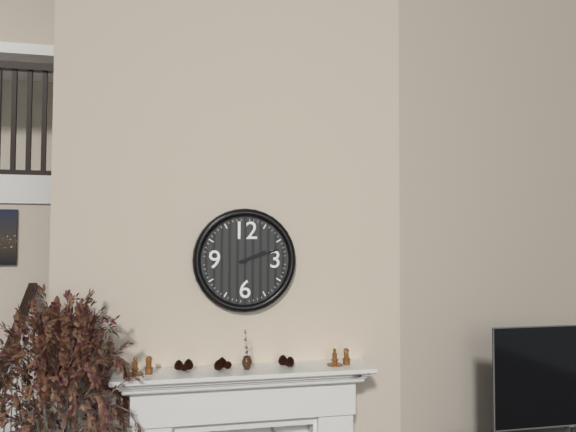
2:12
